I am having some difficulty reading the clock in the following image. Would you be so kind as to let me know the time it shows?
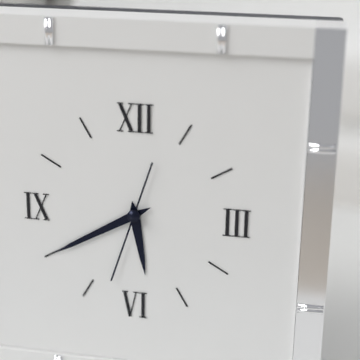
5:40:33
